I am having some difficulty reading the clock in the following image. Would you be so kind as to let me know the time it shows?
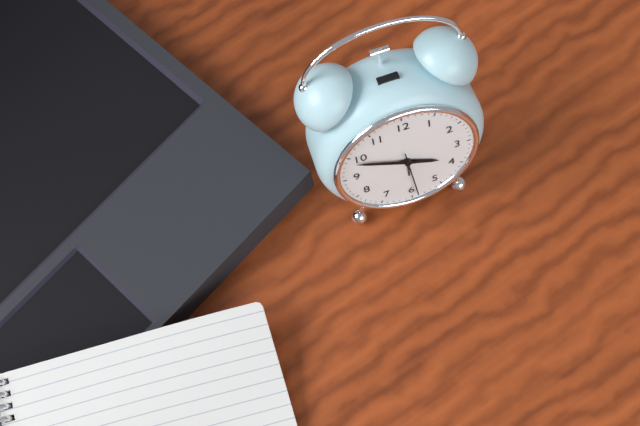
3:49
